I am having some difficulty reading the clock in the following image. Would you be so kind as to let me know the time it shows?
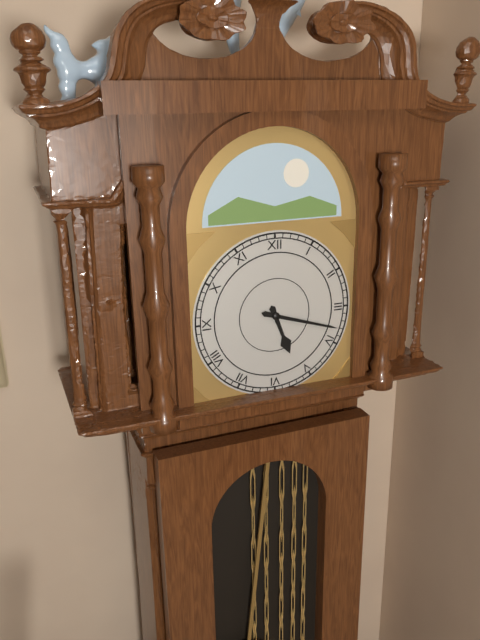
5:18
